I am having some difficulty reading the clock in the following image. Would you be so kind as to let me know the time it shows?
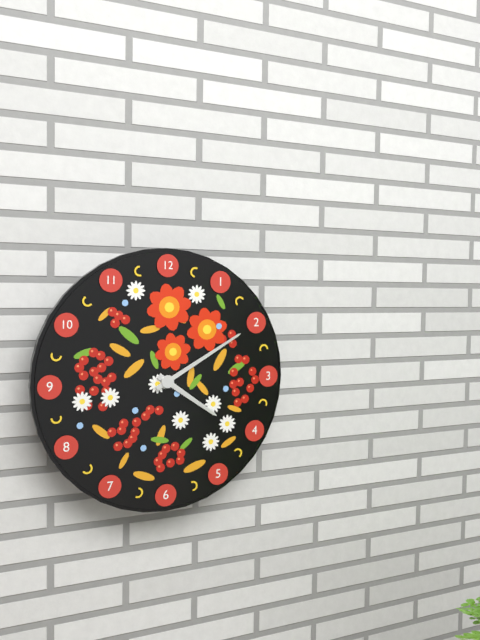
4:10
